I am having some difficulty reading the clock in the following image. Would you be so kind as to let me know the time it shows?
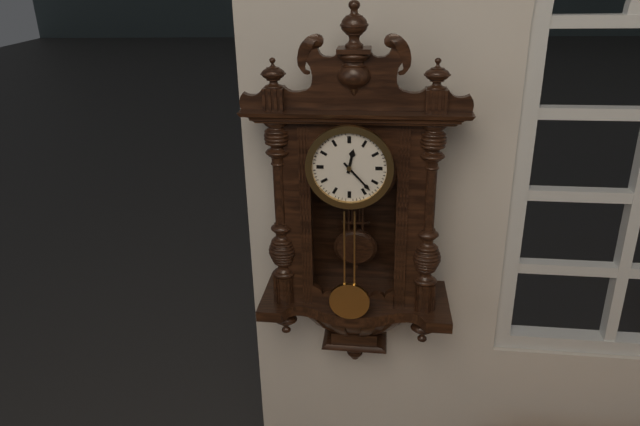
12:23
